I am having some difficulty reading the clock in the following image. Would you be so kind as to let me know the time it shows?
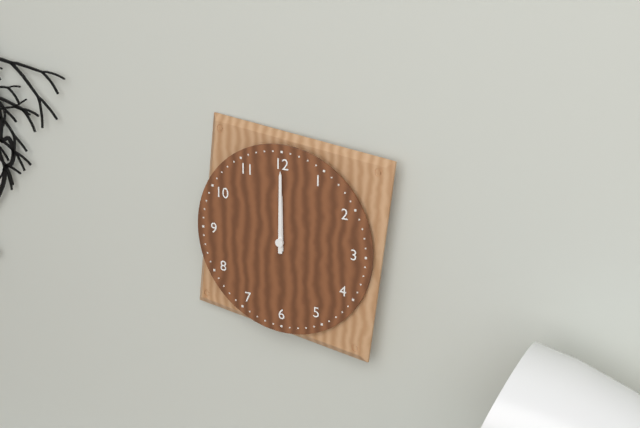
12:00
